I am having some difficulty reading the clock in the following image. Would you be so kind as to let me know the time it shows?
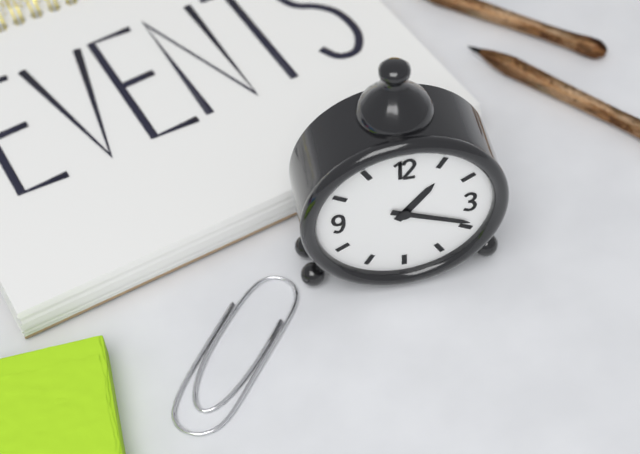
1:19
